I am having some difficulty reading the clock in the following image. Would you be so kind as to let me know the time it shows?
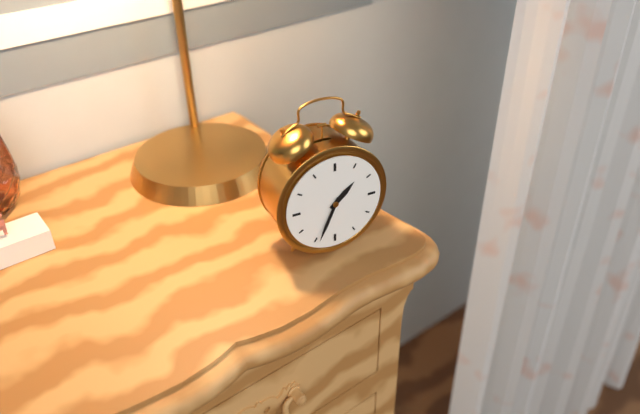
1:34
